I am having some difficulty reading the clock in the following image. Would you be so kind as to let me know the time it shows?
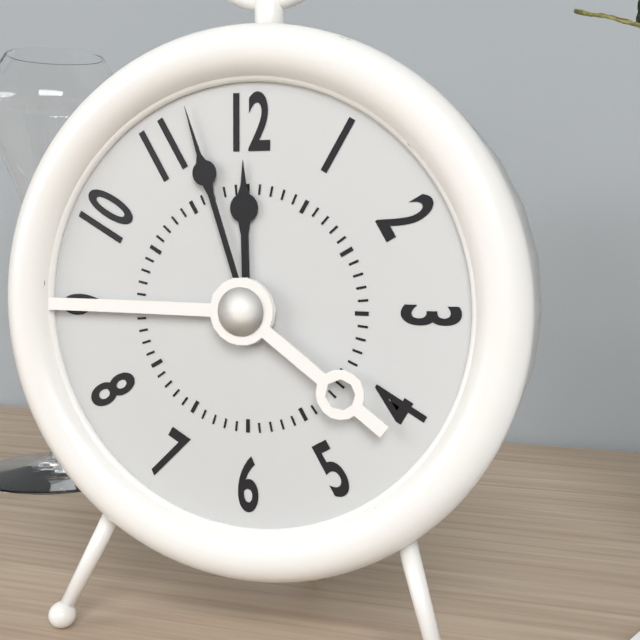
11:57
